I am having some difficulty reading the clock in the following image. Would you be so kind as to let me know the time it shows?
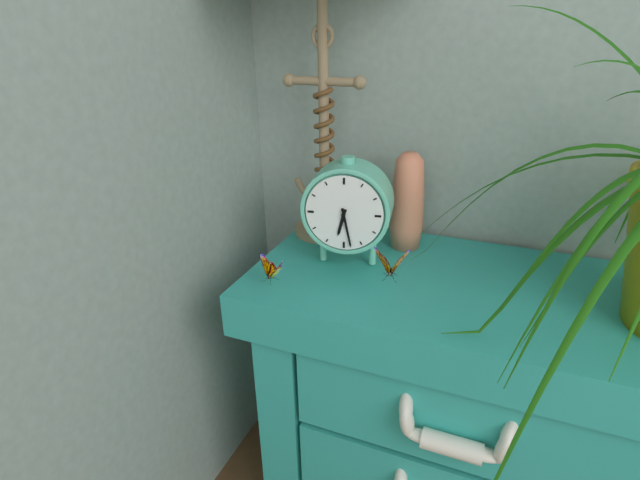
6:28
